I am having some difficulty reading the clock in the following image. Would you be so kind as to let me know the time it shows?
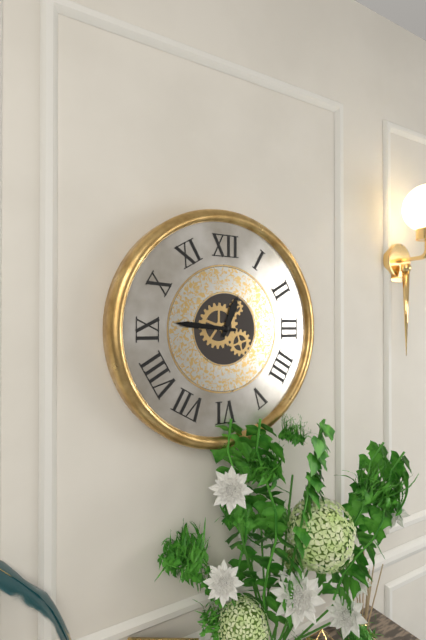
12:46
